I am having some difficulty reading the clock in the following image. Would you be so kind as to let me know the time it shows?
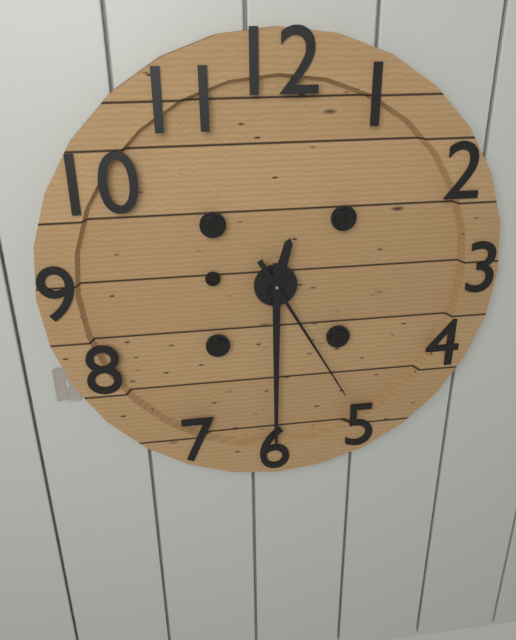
12:30:25
